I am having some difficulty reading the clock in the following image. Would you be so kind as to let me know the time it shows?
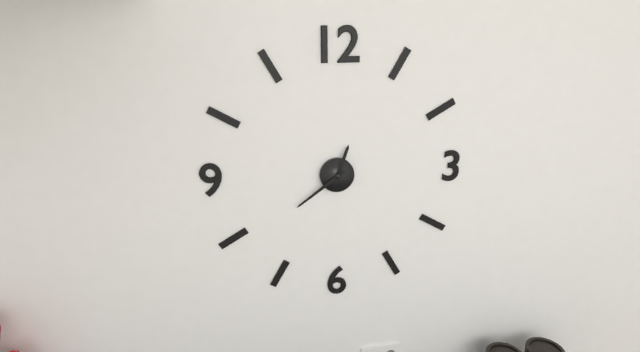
12:39
